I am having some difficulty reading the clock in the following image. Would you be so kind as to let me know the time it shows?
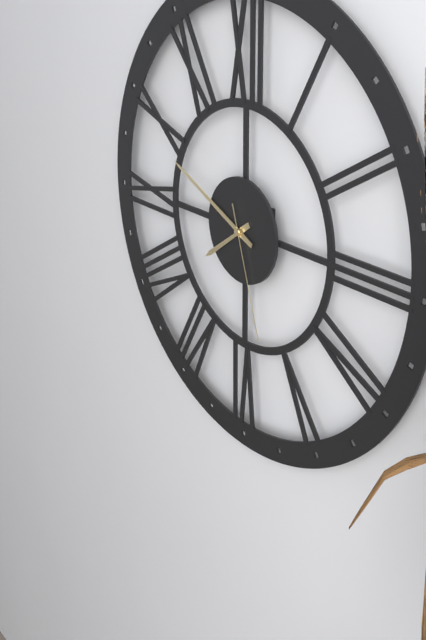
7:49:27
